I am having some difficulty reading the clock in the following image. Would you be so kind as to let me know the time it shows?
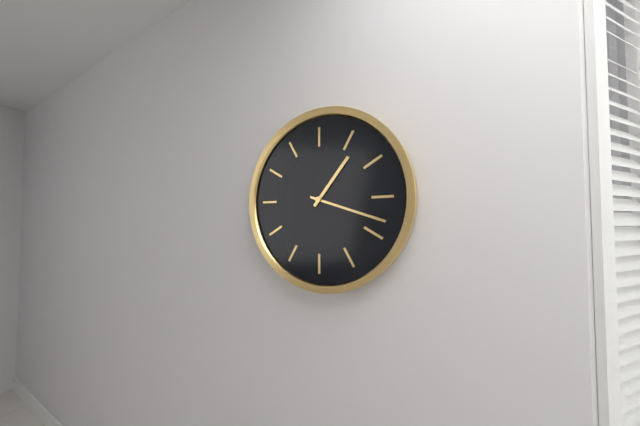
1:18
